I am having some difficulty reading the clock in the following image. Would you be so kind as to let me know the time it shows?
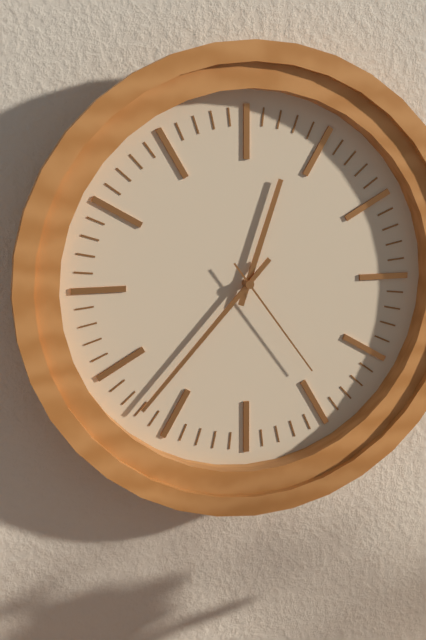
12:37:24
